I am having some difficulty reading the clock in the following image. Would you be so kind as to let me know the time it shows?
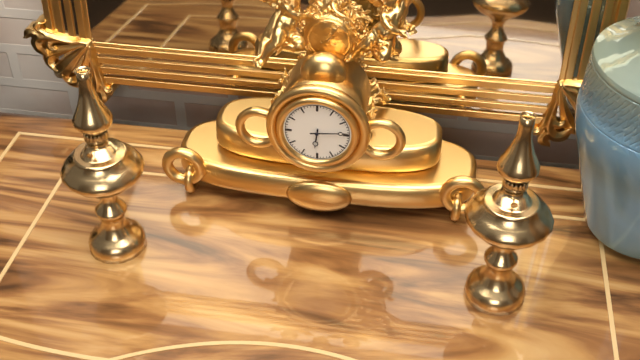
6:14
